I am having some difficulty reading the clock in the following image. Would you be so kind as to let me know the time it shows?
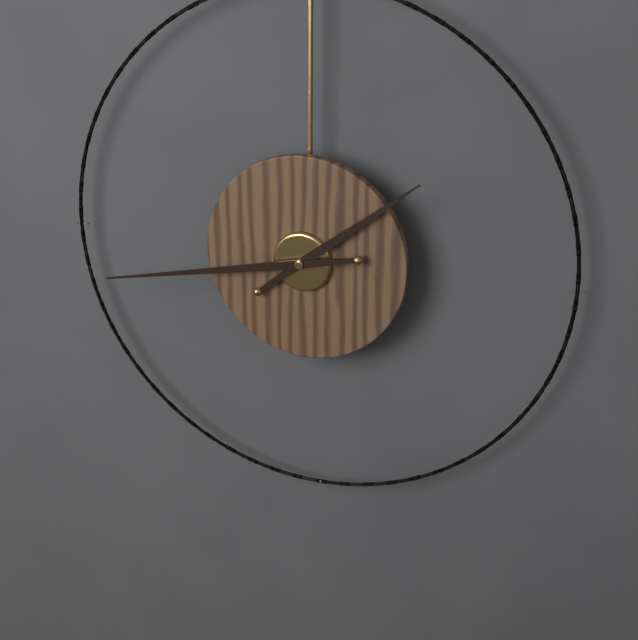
1:43
